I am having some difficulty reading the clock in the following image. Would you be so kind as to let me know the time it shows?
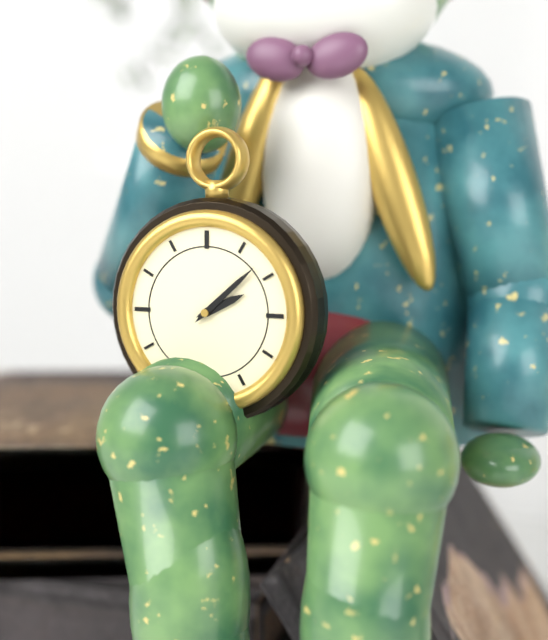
2:08
